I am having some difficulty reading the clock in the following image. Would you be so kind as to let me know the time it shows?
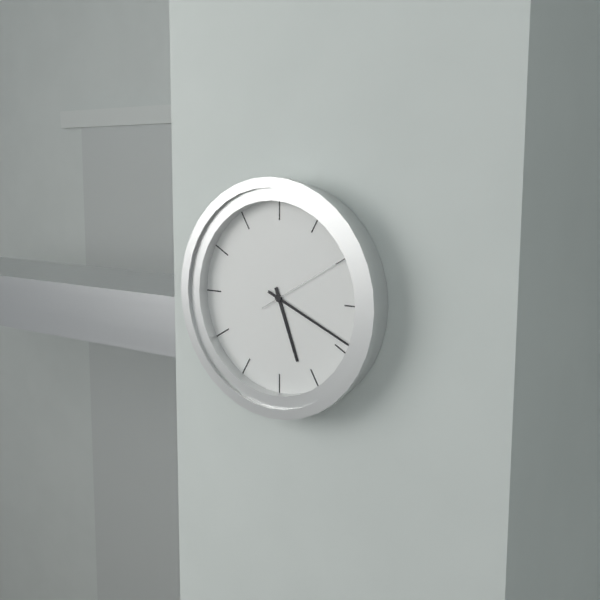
5:19:10
